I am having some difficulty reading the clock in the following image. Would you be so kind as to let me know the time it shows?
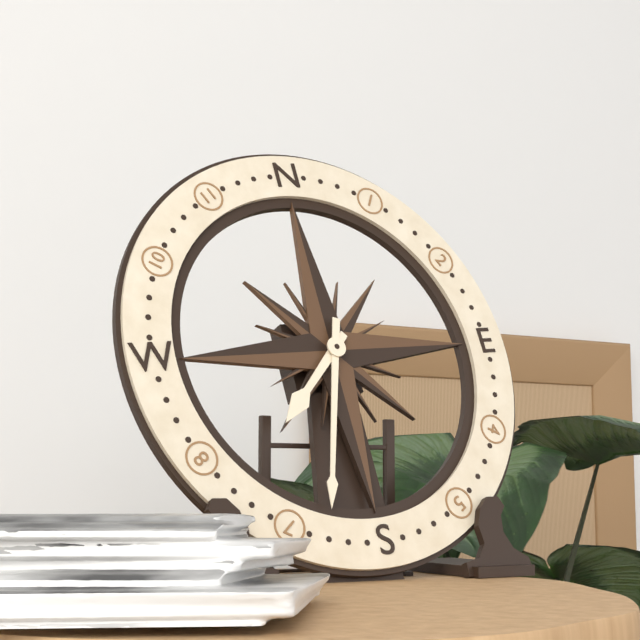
7:33
